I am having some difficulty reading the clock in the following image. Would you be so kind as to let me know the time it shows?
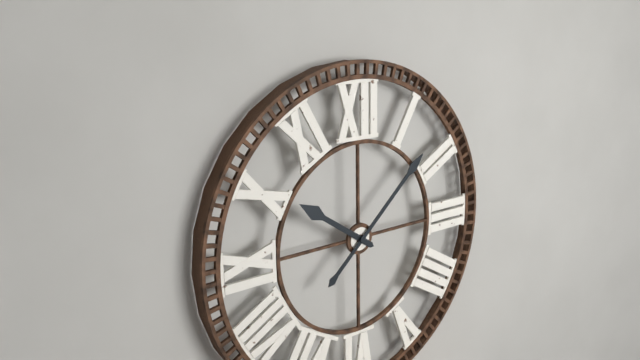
10:08
